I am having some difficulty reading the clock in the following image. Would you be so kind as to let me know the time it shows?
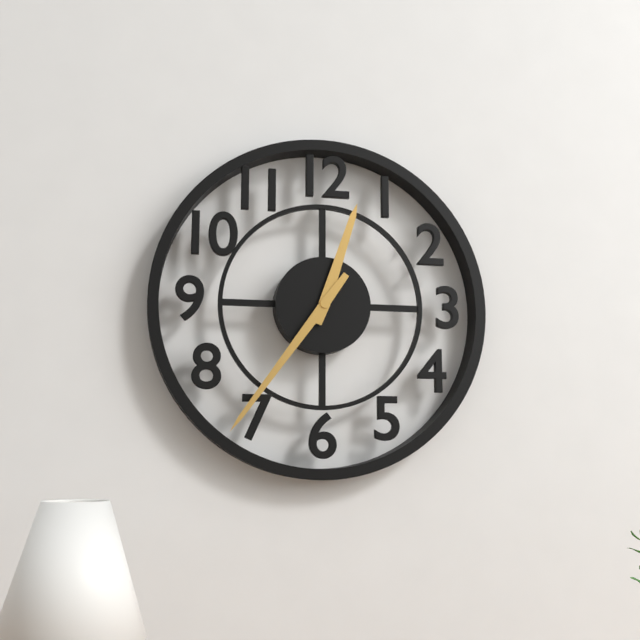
12:36
